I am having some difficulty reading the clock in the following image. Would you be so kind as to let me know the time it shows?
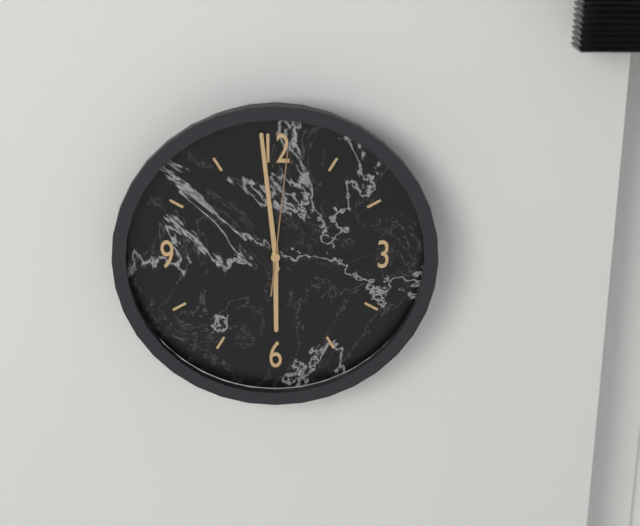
5:59:01
